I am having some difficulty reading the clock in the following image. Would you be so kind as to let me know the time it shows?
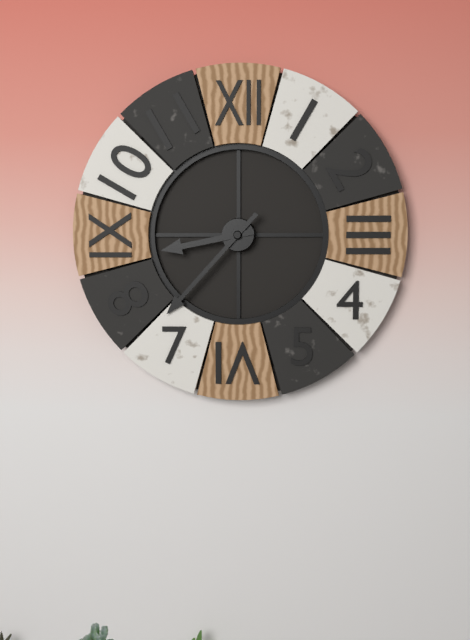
8:37
